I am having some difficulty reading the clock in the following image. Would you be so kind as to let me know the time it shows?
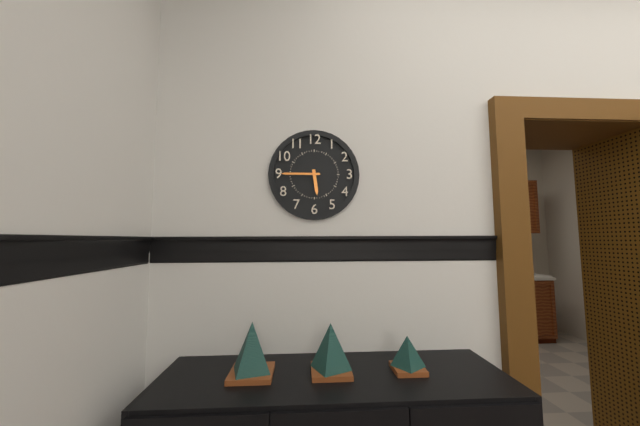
5:45
